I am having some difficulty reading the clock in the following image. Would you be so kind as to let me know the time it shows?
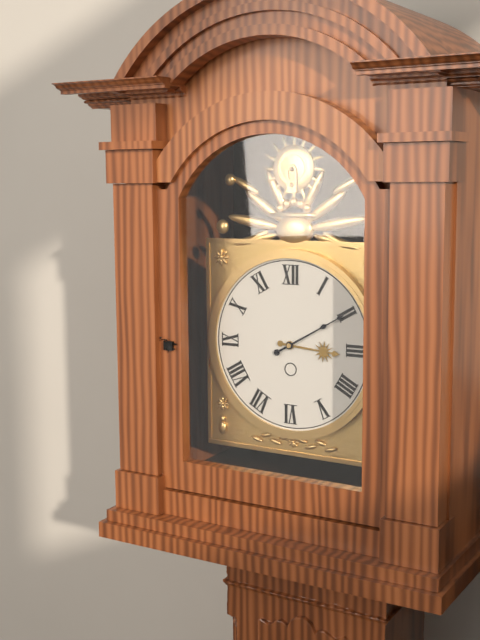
3:10
